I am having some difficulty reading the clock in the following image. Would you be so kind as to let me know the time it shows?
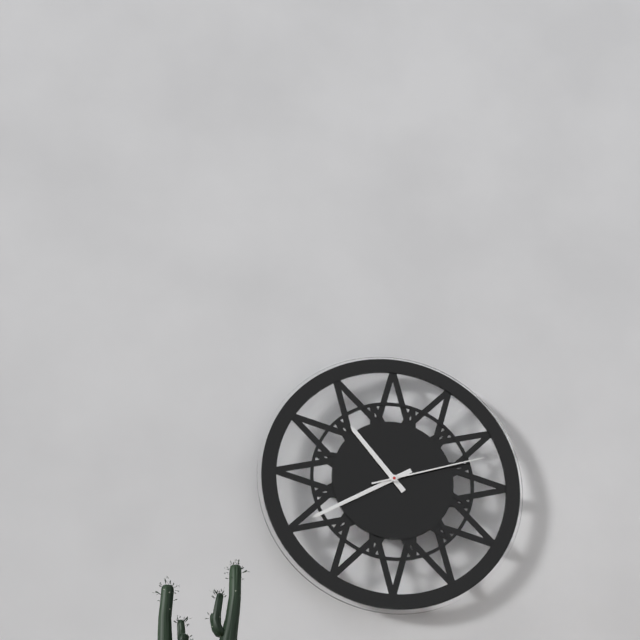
10:40:12
